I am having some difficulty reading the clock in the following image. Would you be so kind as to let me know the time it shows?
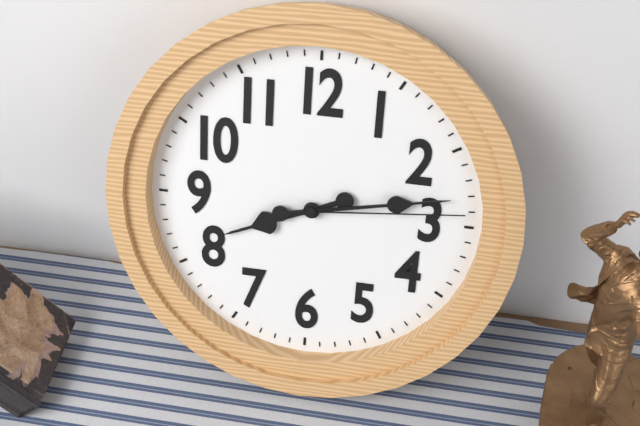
8:13:14
